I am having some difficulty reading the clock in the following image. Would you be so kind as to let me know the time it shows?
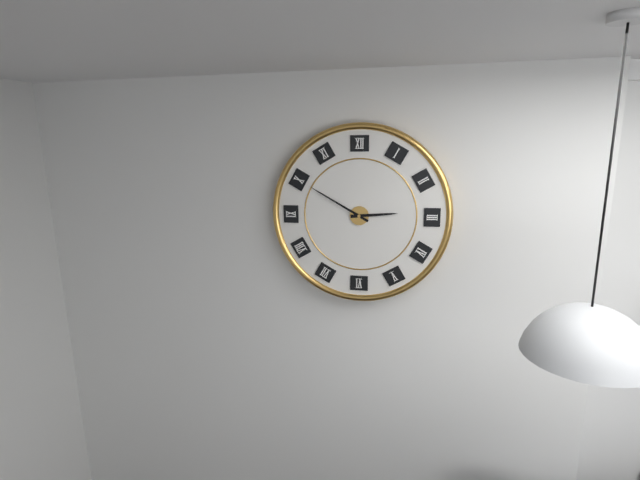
2:50
